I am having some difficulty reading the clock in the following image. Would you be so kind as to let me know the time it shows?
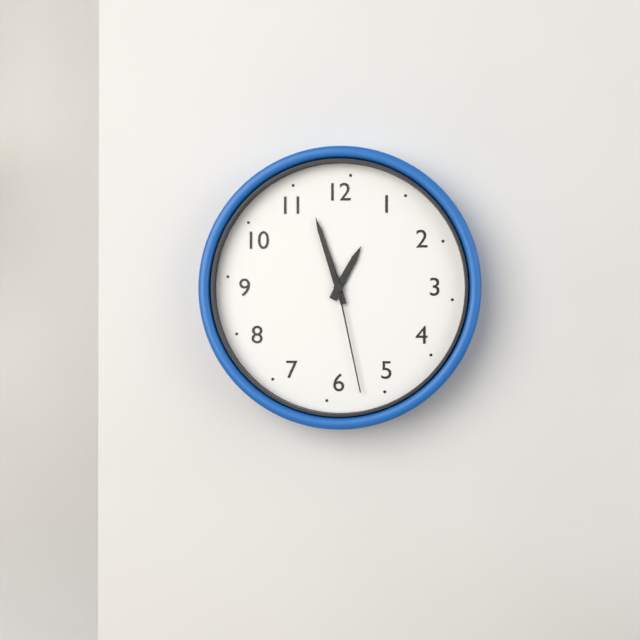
12:57:28
